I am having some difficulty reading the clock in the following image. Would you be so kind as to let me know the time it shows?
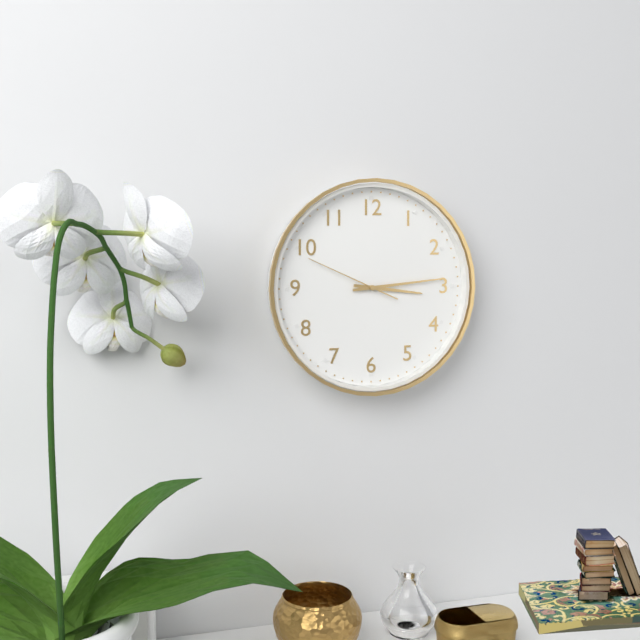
3:14:49
